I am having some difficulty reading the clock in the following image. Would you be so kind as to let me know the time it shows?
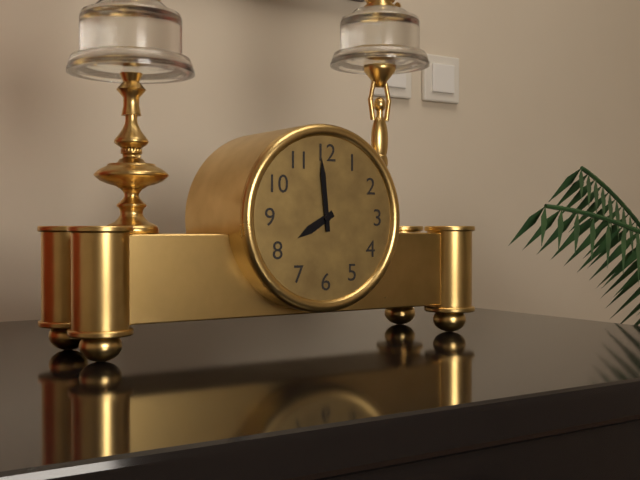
7:59
